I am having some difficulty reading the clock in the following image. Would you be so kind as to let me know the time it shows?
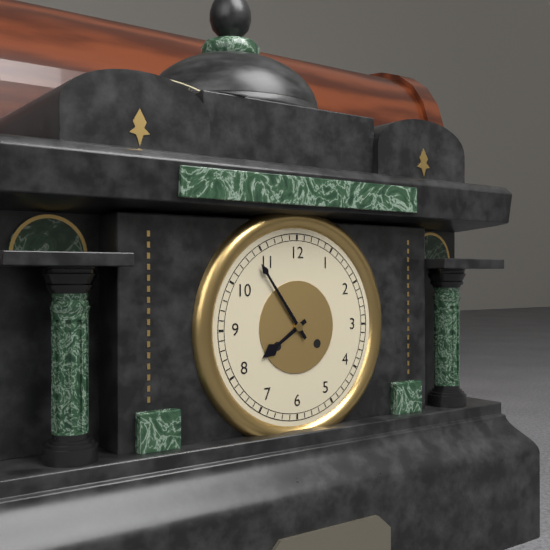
7:54
